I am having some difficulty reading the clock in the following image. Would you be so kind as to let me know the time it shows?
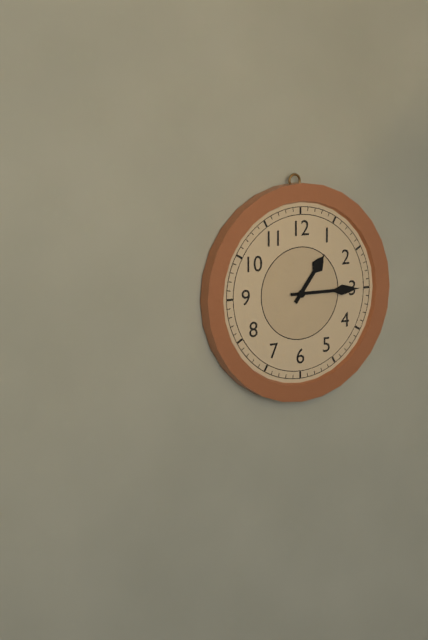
1:15
